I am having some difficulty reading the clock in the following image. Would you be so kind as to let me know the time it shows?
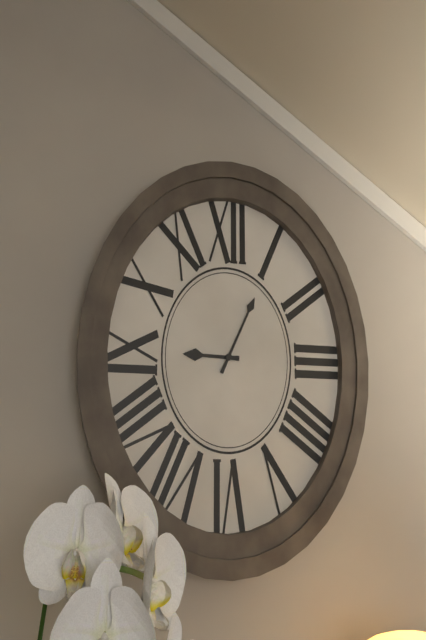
9:04
